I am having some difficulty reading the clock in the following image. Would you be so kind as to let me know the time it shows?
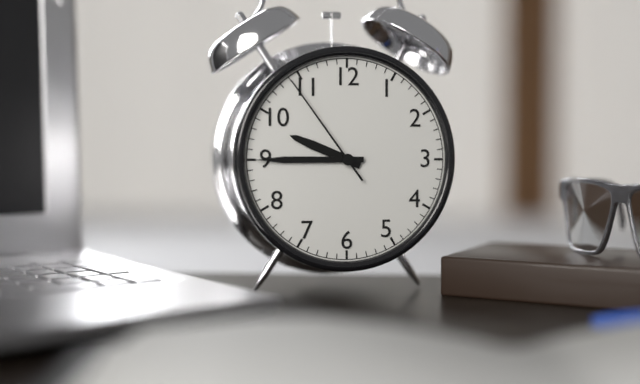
9:45:54
